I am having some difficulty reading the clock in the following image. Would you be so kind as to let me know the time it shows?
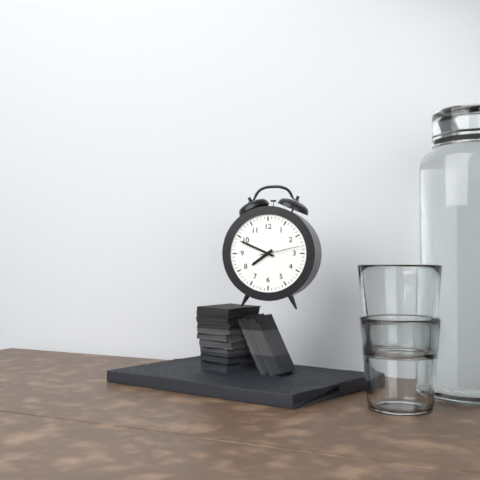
7:49
